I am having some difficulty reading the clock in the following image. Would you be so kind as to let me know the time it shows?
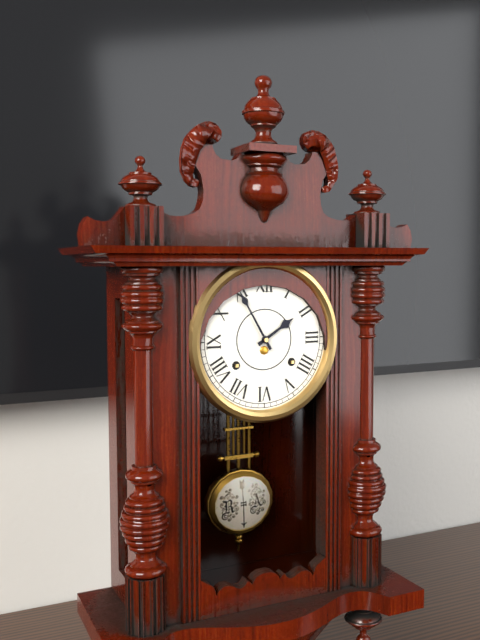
1:55
